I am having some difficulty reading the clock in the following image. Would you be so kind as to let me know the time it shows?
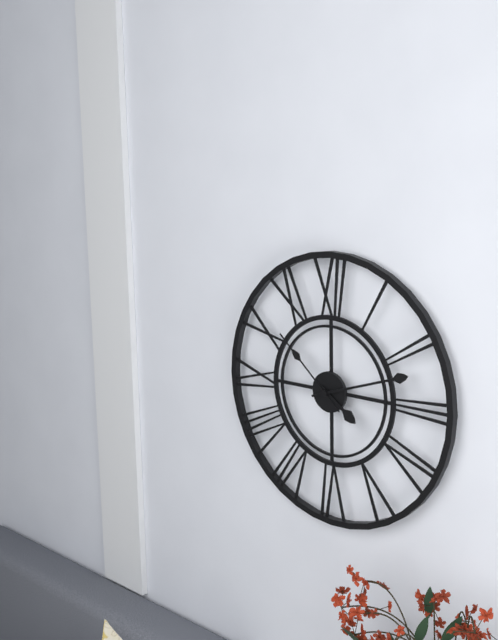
4:12:52
